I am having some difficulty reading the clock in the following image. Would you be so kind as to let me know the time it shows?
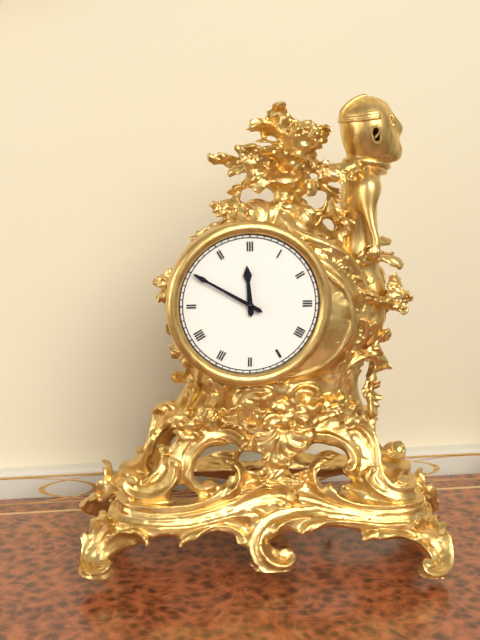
11:50
